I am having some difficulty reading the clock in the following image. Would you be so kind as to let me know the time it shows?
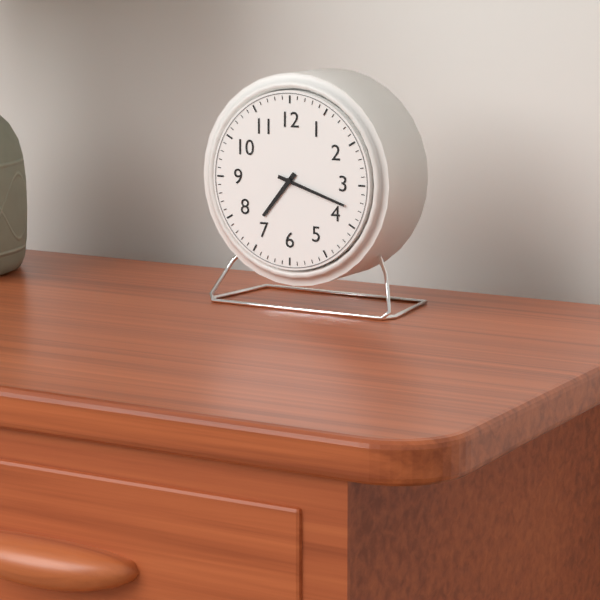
7:18
